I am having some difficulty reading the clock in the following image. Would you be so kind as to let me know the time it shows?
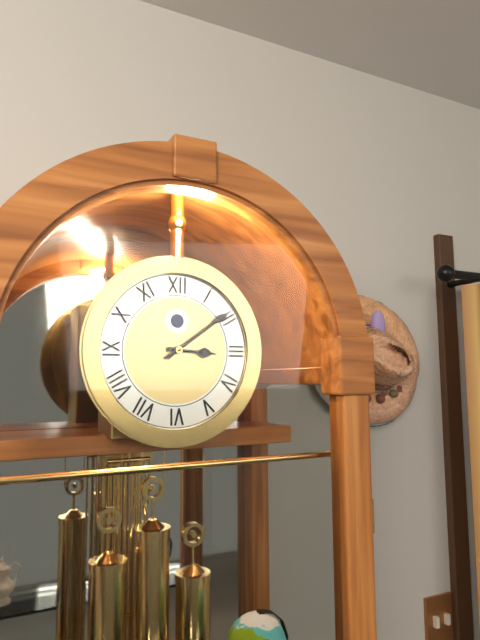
3:09
